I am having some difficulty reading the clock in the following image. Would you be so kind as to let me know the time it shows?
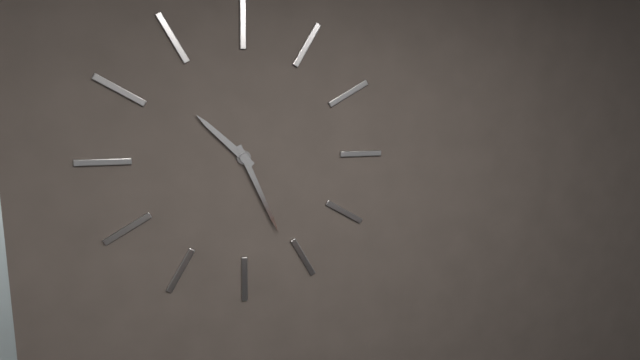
10:26
